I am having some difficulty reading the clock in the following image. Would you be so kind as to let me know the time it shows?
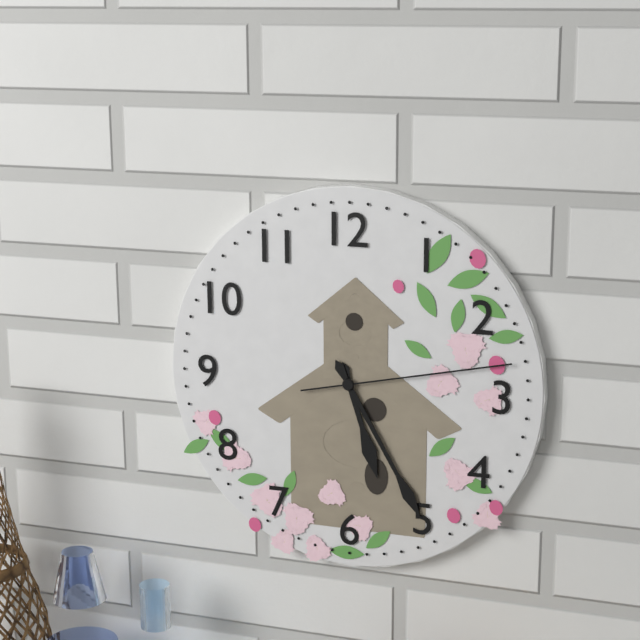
5:25:13
